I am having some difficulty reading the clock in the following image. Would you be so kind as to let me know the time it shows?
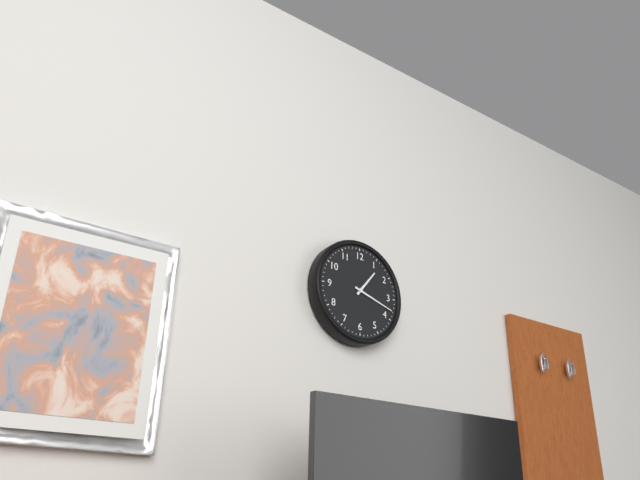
1:18
